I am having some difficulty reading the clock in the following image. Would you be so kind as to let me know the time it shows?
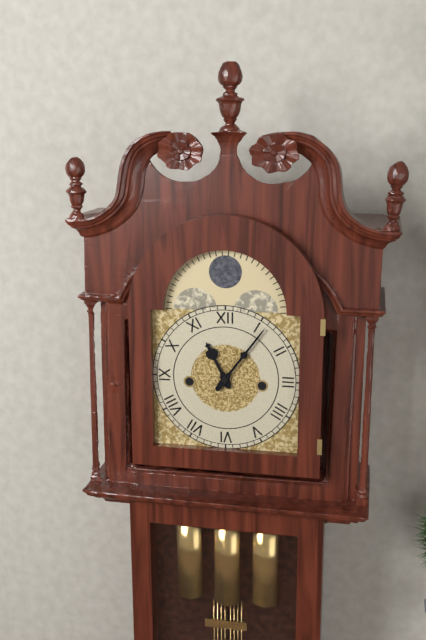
11:06
